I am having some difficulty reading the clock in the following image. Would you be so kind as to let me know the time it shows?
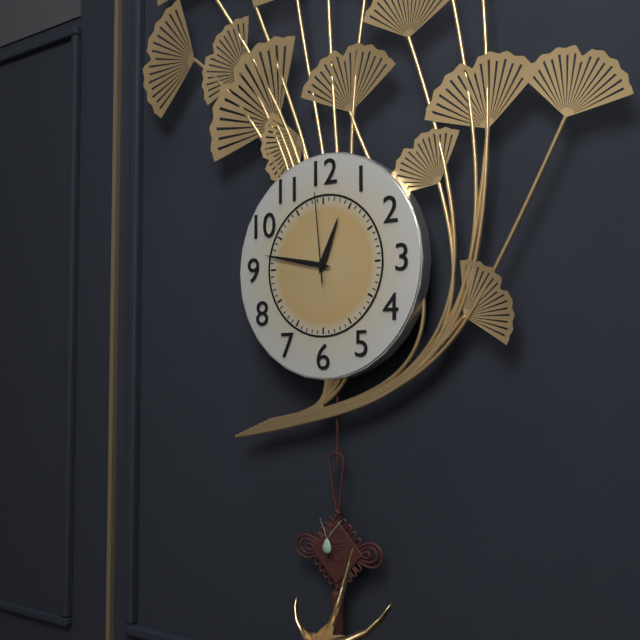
12:47:59
